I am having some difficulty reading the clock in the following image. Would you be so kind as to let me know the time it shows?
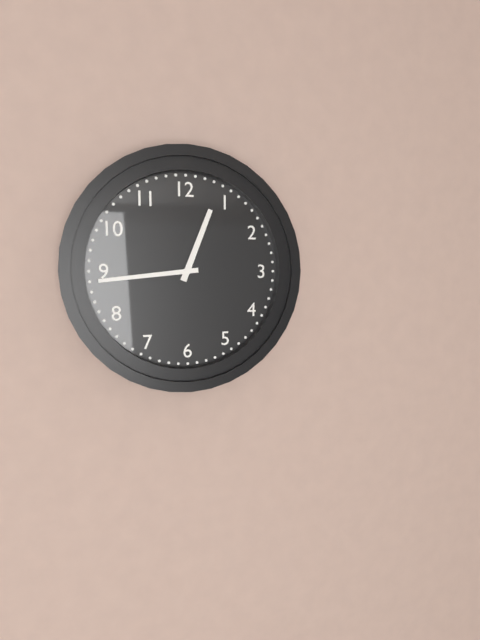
12:44
